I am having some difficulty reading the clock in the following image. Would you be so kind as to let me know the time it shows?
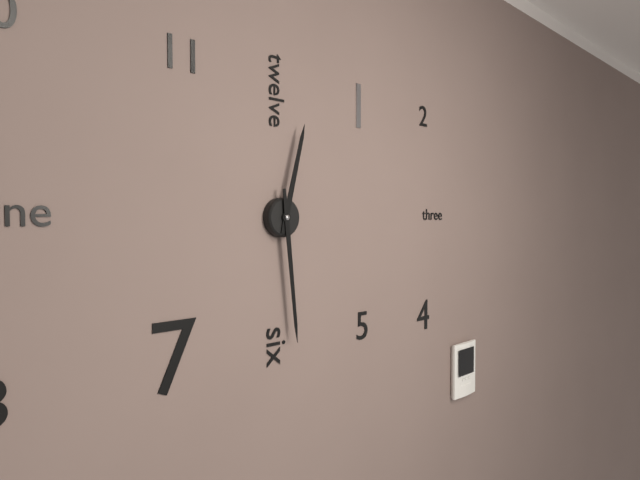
12:29
